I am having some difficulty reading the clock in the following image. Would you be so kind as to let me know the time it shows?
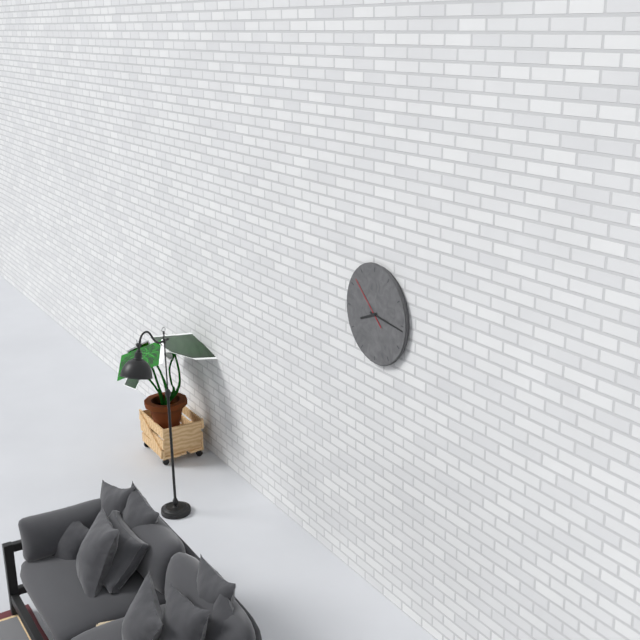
8:16:52
